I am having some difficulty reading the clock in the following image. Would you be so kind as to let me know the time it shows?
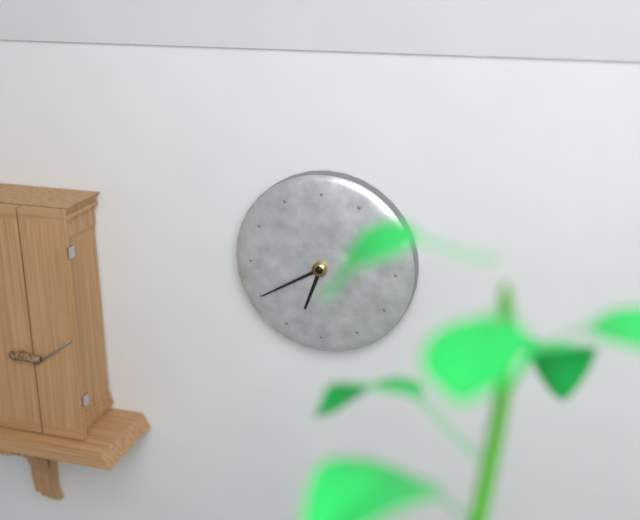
6:40
